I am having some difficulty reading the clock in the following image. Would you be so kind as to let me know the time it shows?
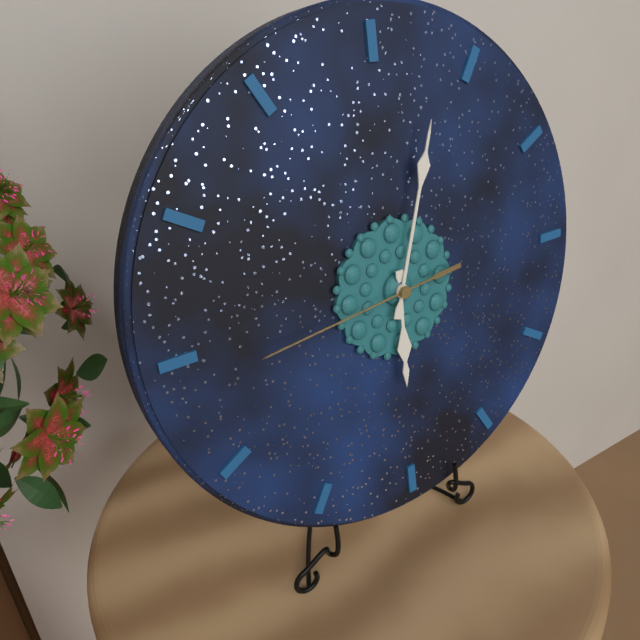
6:03:44
